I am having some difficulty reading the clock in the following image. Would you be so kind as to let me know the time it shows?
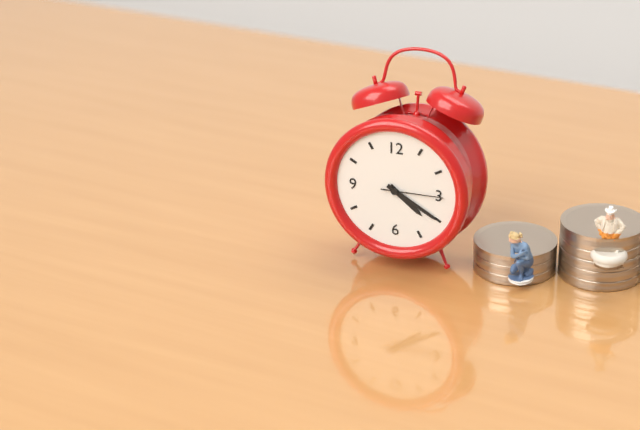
4:20:15
